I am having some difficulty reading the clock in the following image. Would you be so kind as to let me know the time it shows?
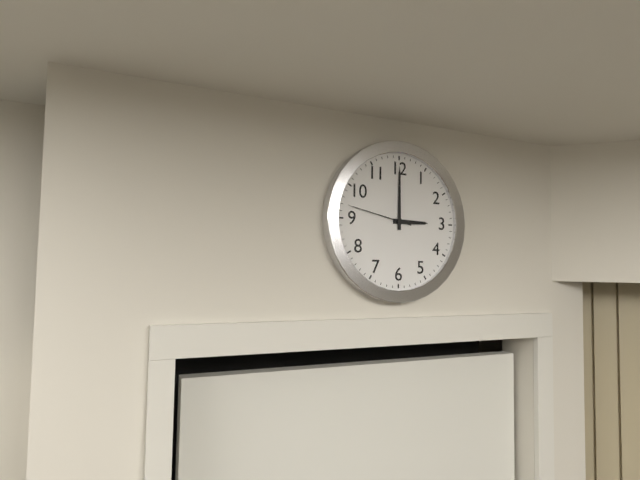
3:00:47
